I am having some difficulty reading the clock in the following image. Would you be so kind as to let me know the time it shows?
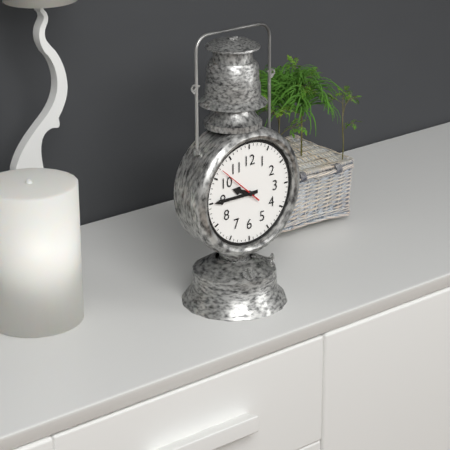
9:45
